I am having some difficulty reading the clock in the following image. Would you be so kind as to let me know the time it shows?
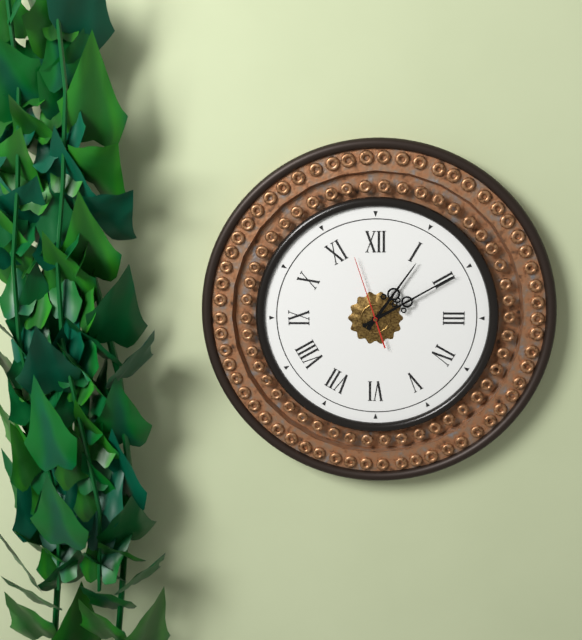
1:10:57
